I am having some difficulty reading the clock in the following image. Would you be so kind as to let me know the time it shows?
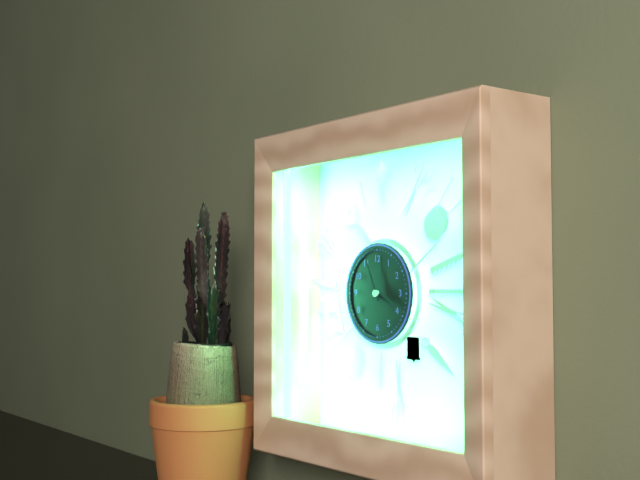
3:56
